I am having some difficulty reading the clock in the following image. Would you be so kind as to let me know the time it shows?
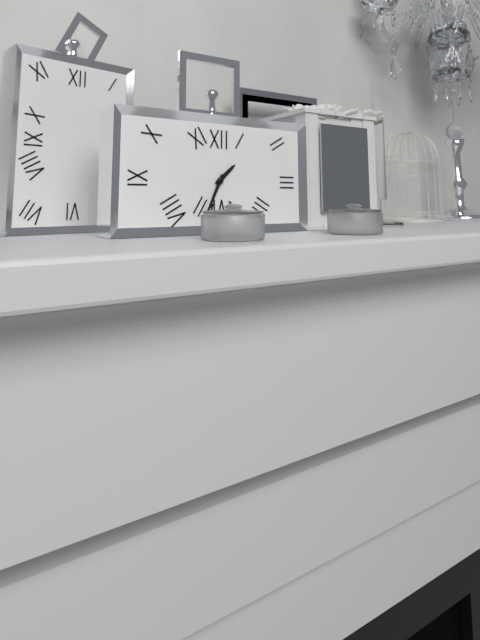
1:34
